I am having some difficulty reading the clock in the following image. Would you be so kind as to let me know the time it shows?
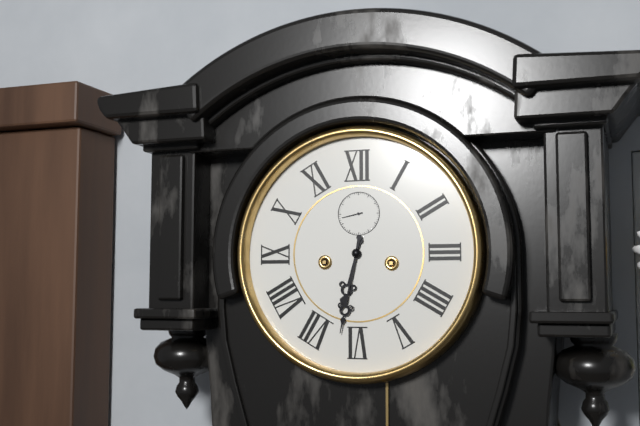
6:32
